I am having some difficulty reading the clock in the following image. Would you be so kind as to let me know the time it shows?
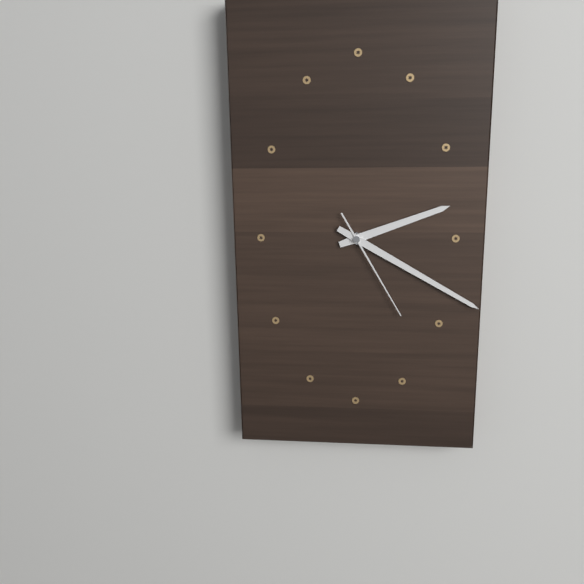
2:20:25
